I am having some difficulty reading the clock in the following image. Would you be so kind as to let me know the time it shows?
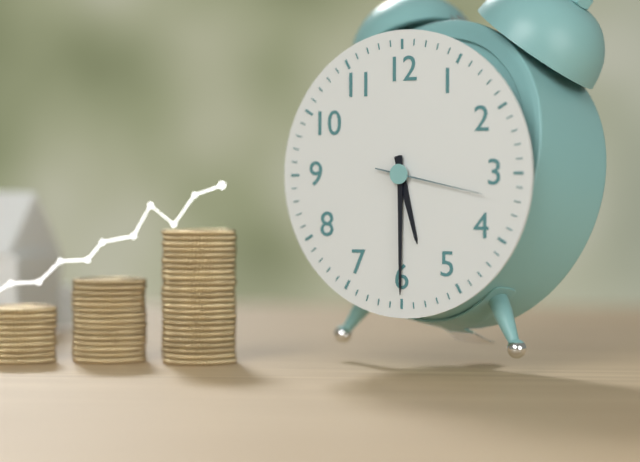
5:30:17
